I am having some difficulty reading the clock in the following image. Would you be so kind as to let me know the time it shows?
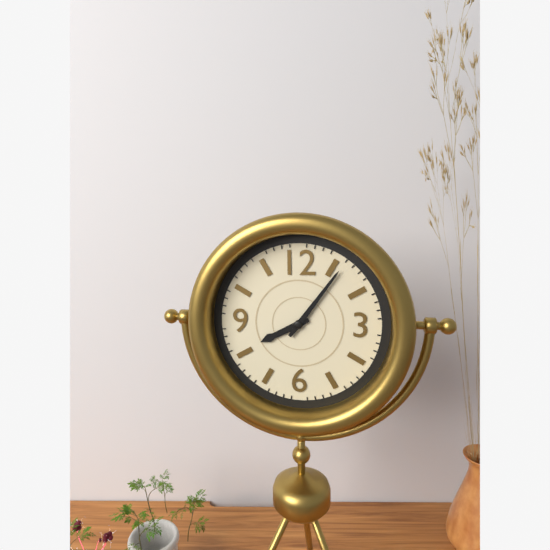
8:06
